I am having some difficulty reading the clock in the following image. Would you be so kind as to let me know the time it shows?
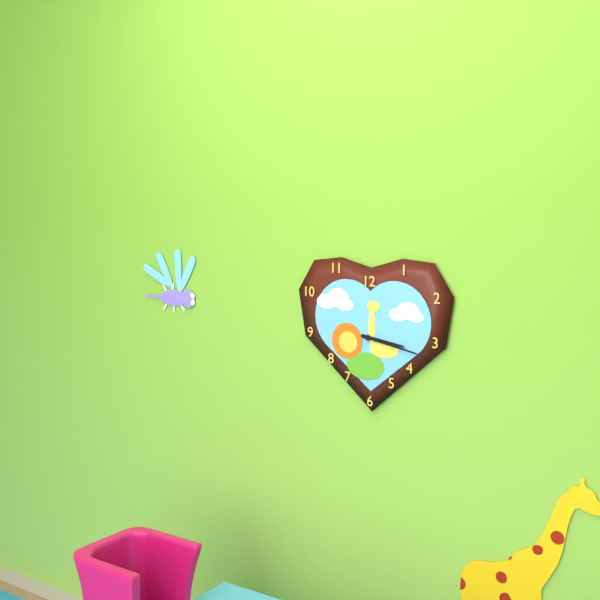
3:17
